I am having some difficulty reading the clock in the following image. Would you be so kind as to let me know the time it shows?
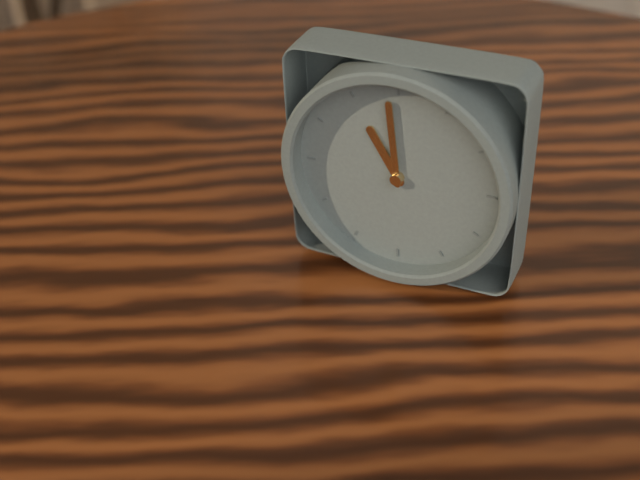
10:59
